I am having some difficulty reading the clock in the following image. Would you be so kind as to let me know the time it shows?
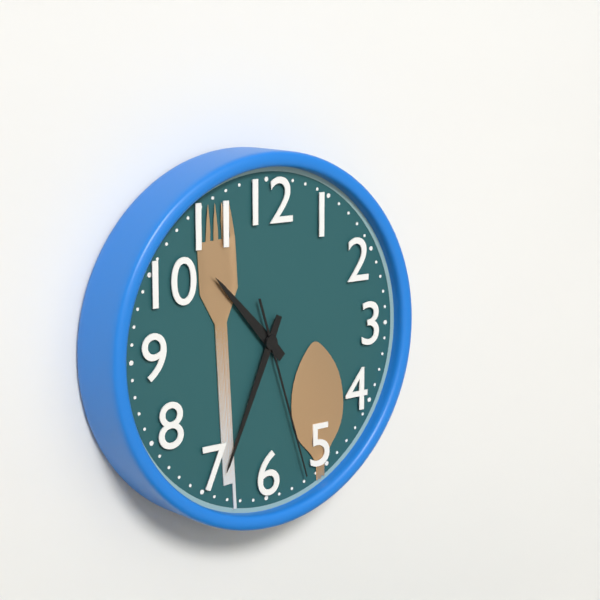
10:34:27
